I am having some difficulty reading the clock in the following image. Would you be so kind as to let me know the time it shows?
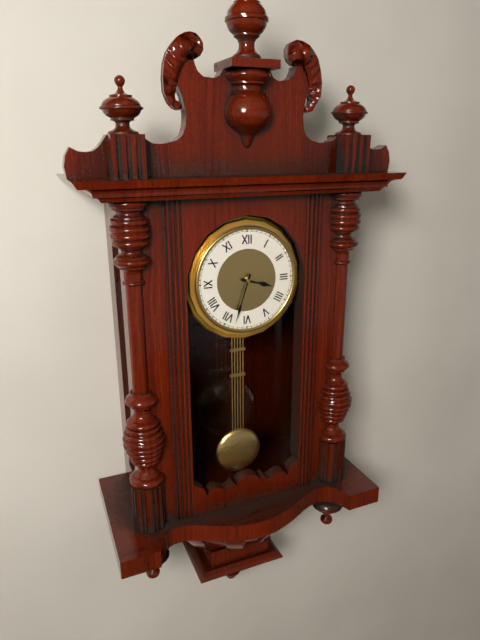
3:33
